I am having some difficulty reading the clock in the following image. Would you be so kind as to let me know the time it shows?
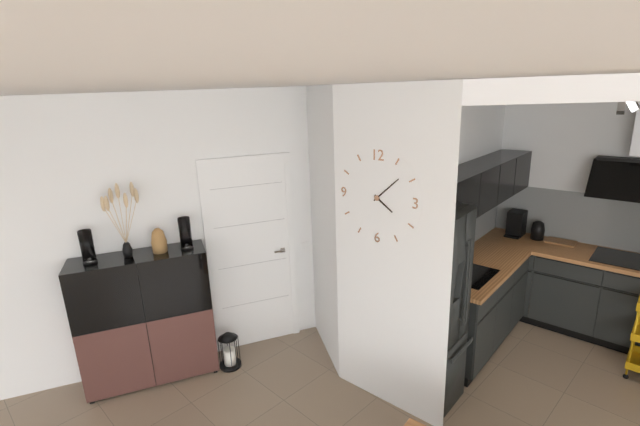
4:08
